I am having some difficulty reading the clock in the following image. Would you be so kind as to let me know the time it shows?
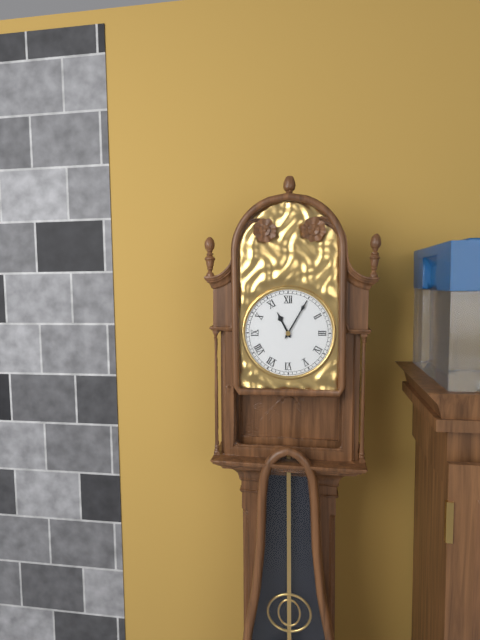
11:05
